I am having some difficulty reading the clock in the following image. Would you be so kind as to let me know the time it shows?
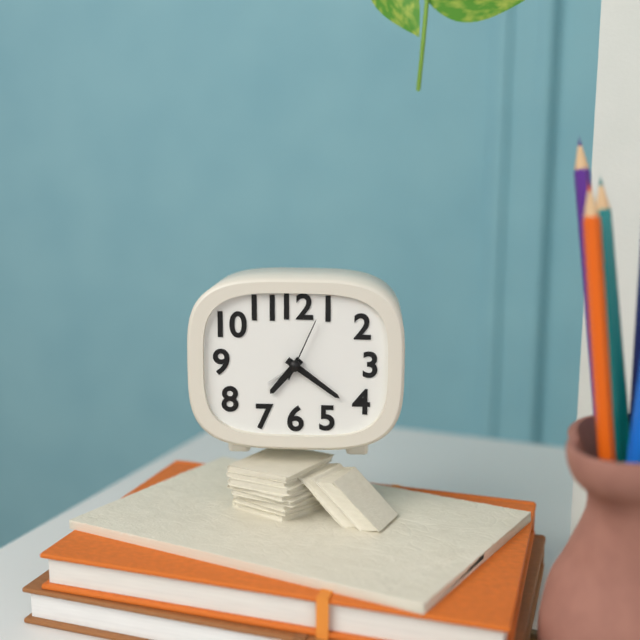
7:21:04
